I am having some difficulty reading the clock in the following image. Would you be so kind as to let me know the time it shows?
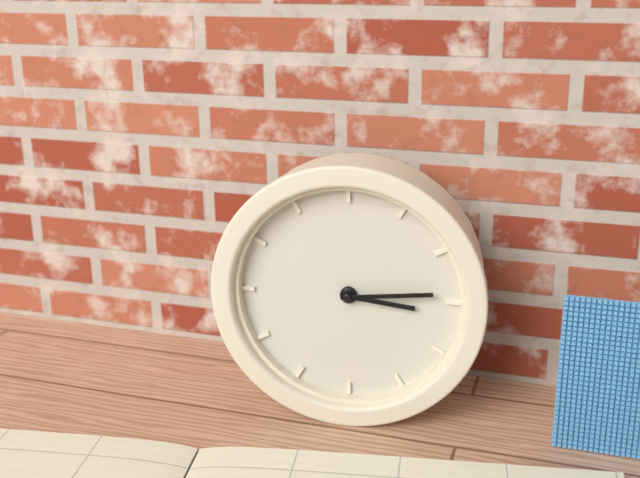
3:14
